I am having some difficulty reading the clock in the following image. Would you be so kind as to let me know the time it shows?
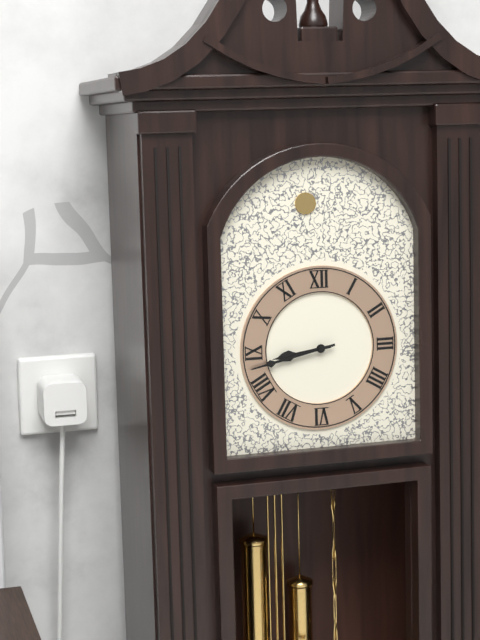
8:43
